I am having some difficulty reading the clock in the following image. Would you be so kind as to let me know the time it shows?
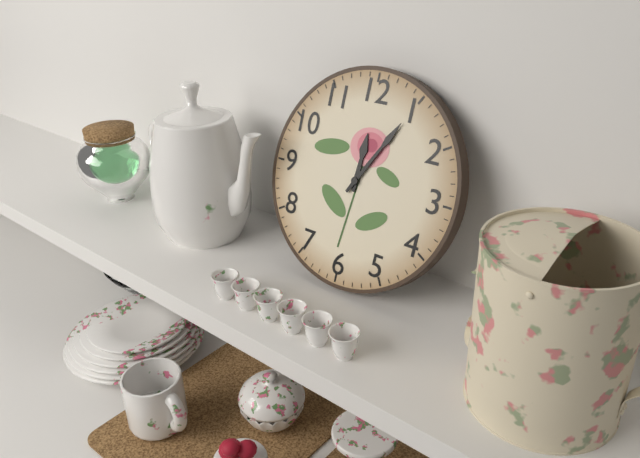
12:05
